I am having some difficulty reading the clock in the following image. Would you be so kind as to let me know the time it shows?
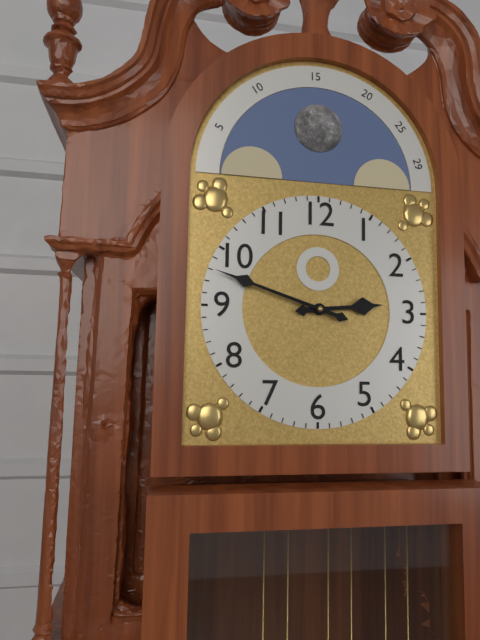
2:48
